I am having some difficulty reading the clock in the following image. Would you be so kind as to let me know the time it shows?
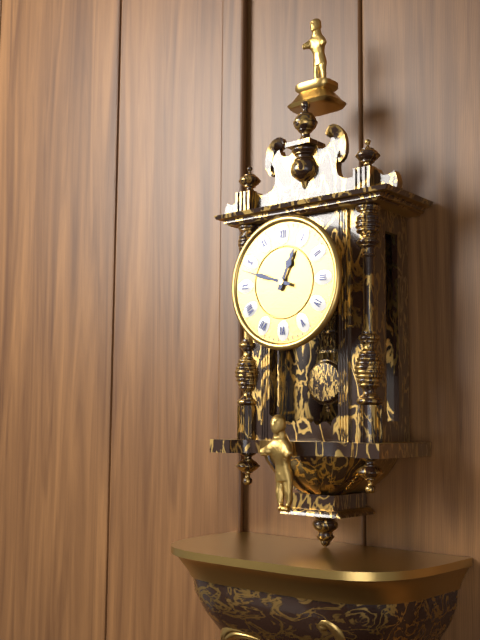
12:48
